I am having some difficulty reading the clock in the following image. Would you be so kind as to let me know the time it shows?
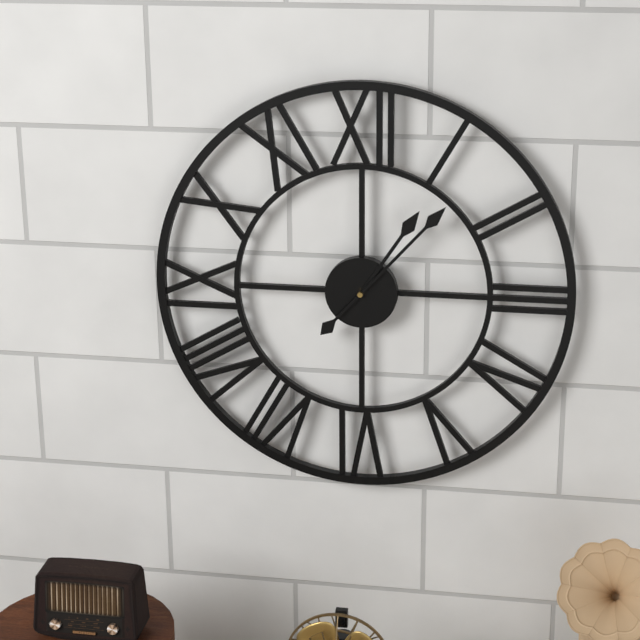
1:07
